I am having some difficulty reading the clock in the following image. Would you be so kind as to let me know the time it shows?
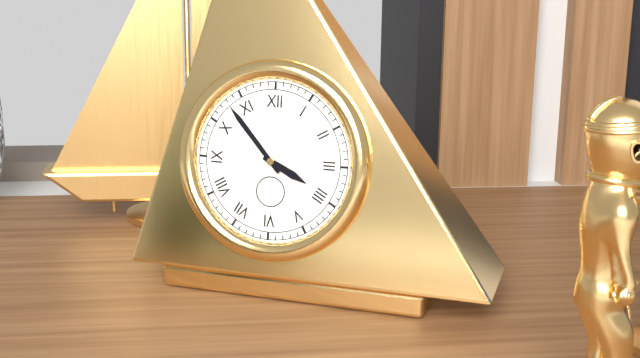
3:53
